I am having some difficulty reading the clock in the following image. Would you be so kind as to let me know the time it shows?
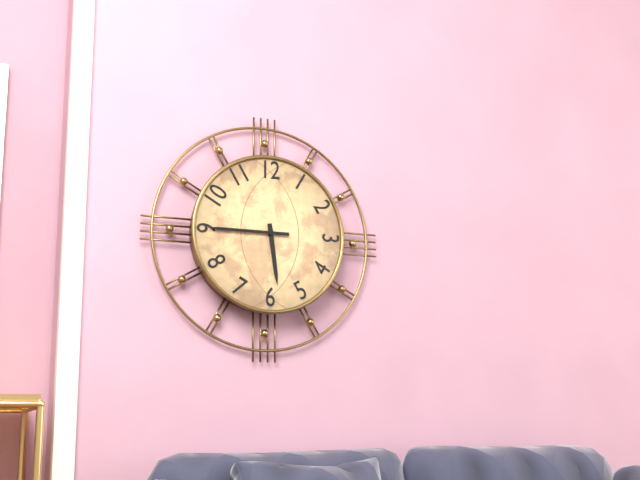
5:45
